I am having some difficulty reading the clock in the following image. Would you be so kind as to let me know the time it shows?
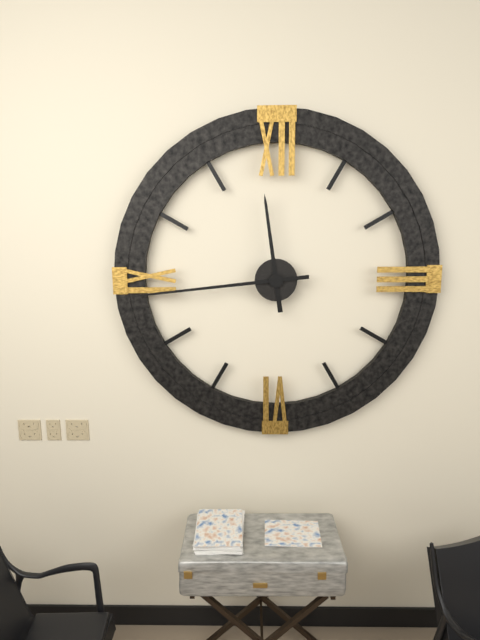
11:44
